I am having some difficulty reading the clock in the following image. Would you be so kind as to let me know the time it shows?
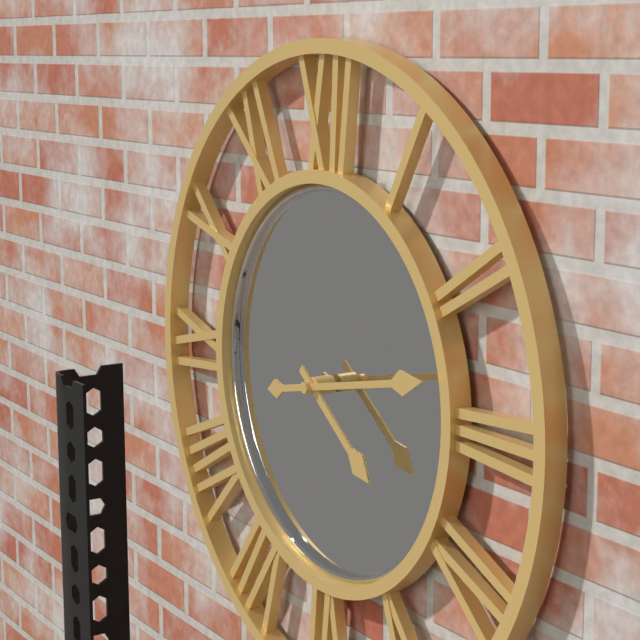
4:13
